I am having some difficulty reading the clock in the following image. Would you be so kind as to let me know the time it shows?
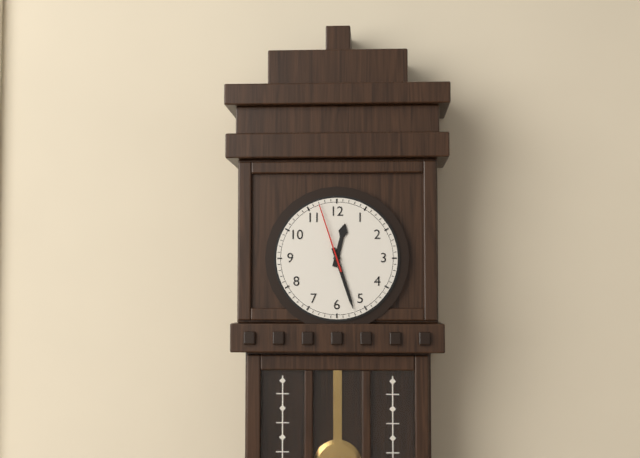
12:27:57
